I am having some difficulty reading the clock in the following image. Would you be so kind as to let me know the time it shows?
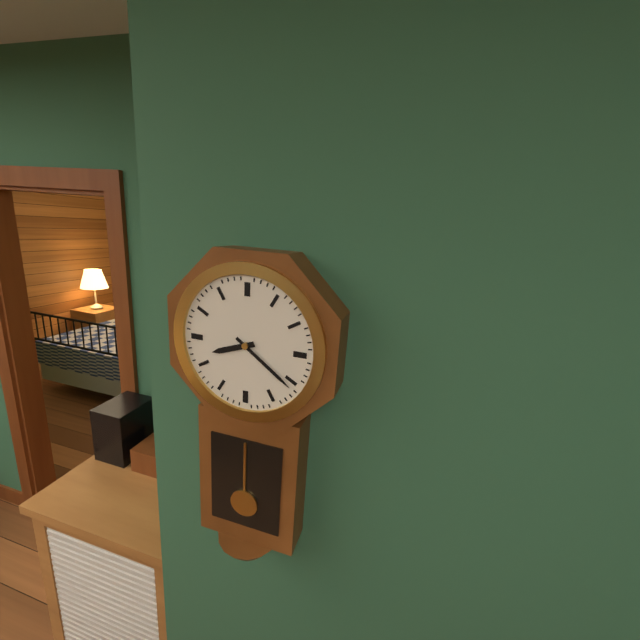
8:21
